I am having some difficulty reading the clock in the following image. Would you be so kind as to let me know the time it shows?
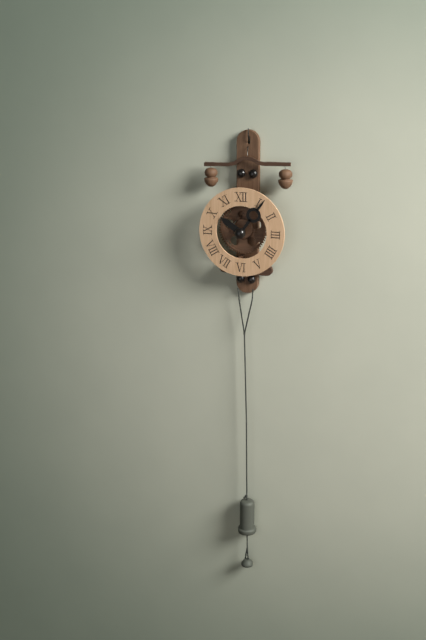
10:06
